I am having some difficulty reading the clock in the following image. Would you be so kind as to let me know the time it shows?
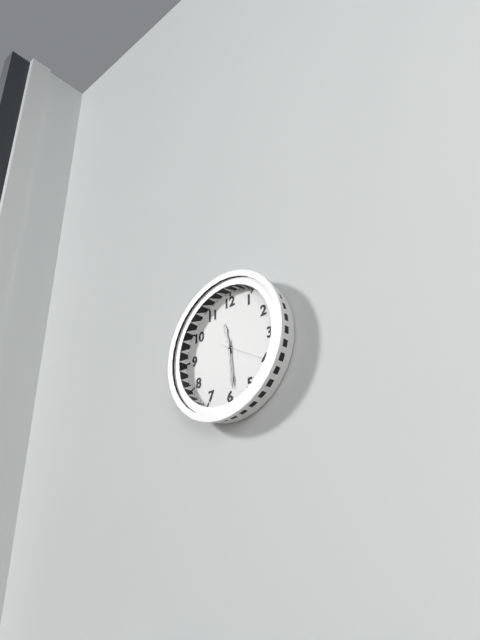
11:29
